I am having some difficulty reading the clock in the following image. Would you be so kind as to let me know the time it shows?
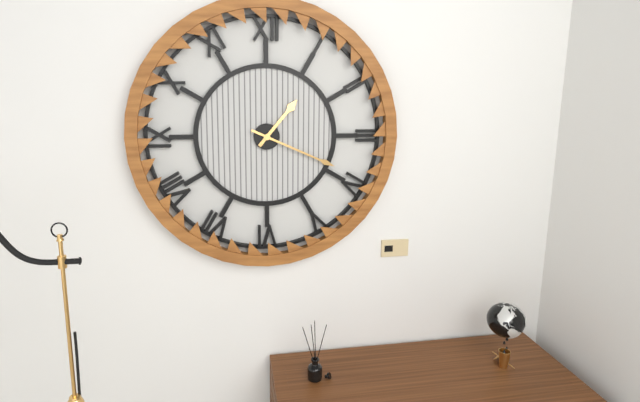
1:19
